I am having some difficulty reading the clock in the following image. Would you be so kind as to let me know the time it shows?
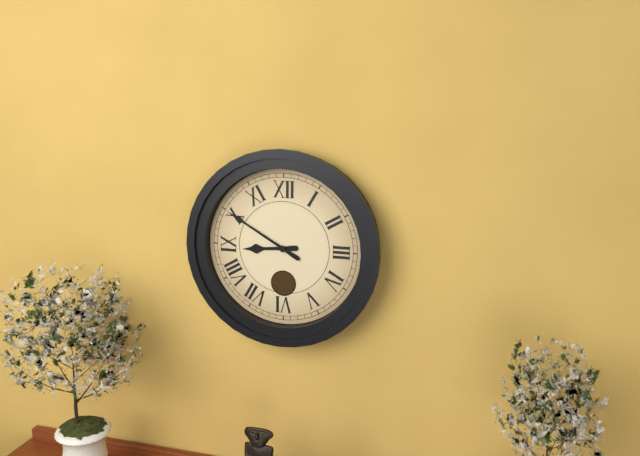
8:50
